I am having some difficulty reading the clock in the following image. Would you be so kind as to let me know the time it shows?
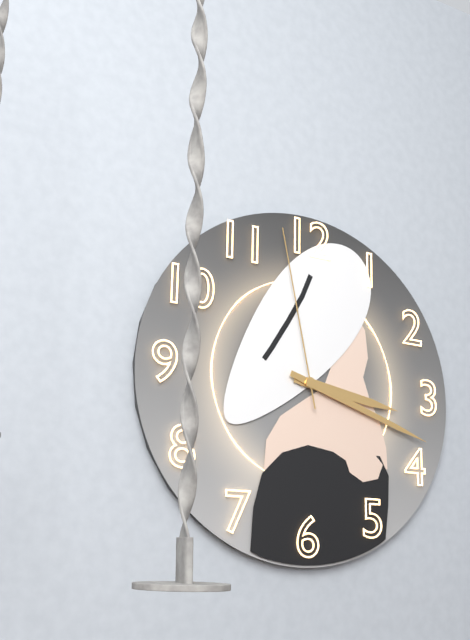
3:18:58
